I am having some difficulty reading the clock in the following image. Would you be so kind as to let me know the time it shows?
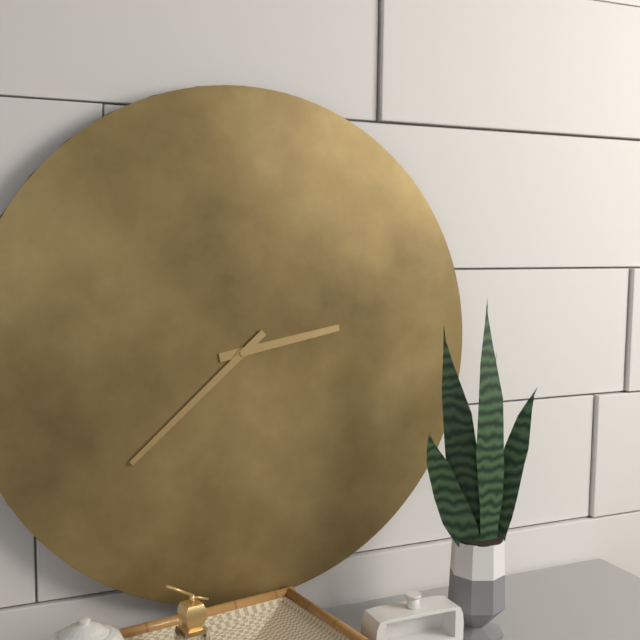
2:38
